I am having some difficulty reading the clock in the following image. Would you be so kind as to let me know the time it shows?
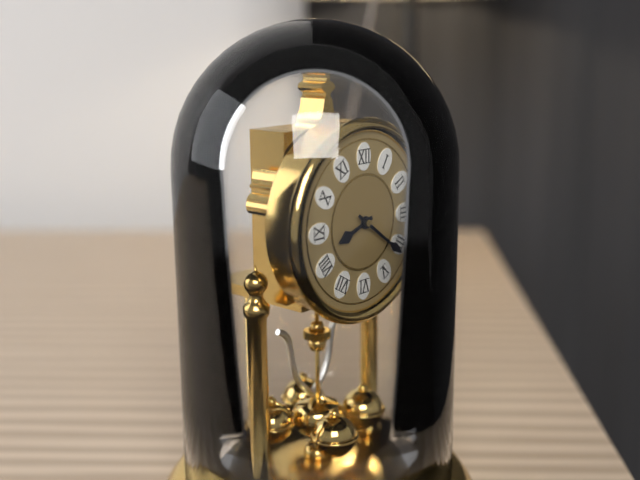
8:21
